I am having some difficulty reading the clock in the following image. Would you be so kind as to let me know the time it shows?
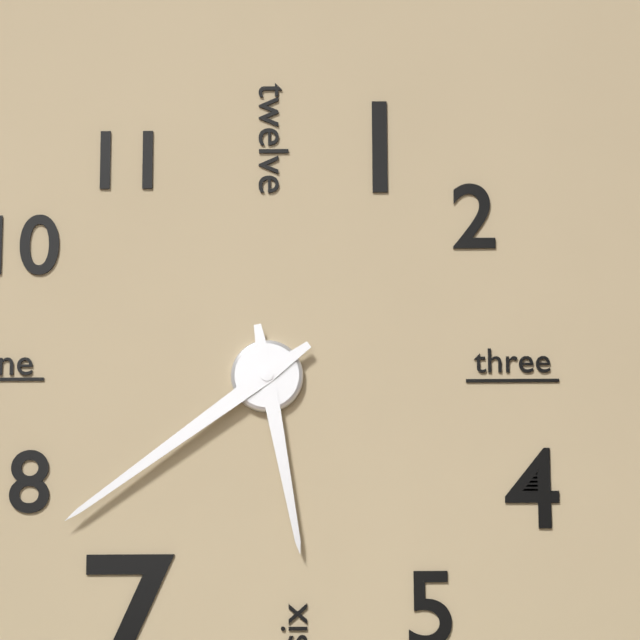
5:39
